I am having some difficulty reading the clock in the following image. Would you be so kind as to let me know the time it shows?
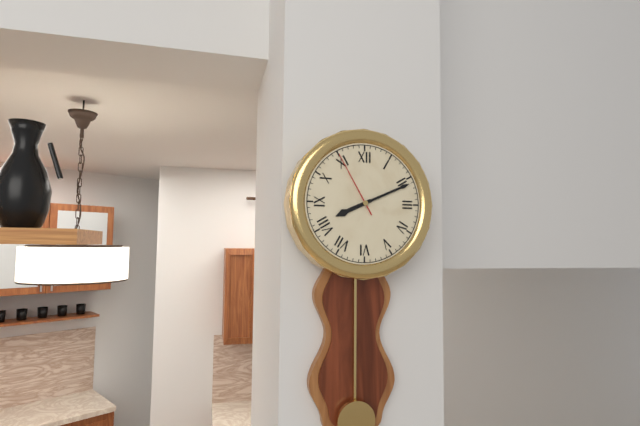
8:11:55
